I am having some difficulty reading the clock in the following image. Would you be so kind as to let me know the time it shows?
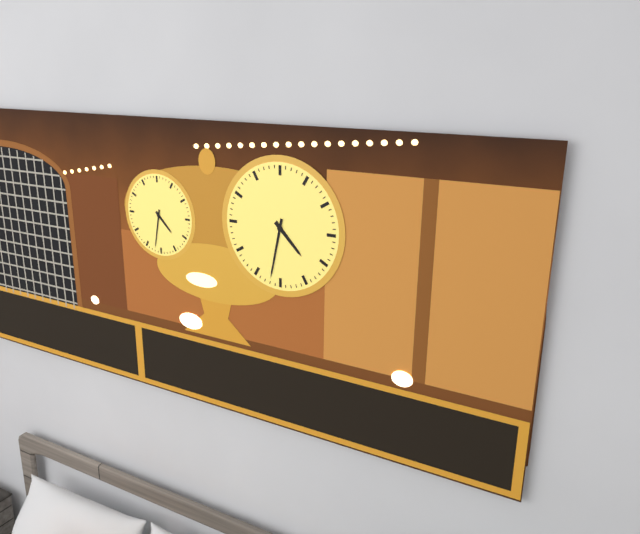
4:32
